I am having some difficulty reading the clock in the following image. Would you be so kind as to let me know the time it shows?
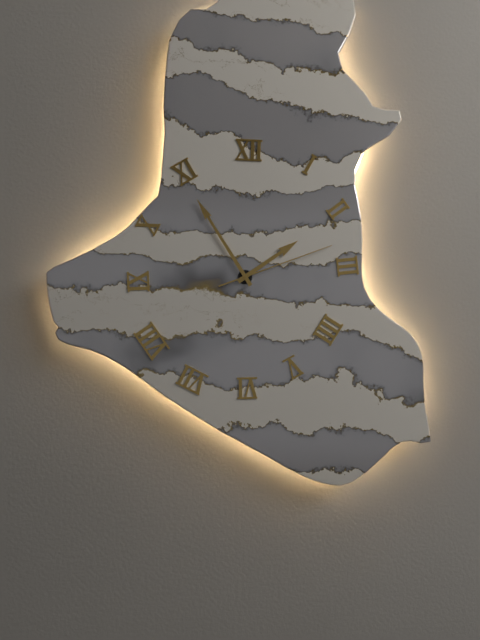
1:55:12
